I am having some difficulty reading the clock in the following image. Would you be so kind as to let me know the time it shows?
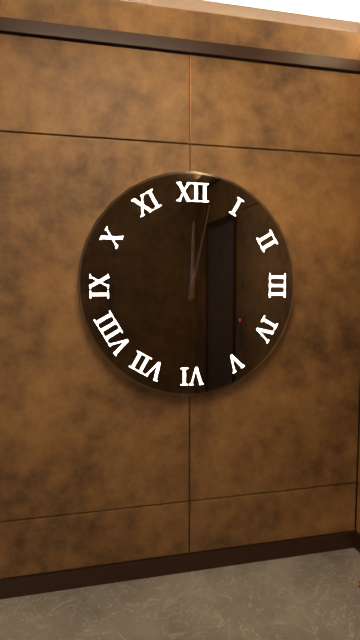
12:02
